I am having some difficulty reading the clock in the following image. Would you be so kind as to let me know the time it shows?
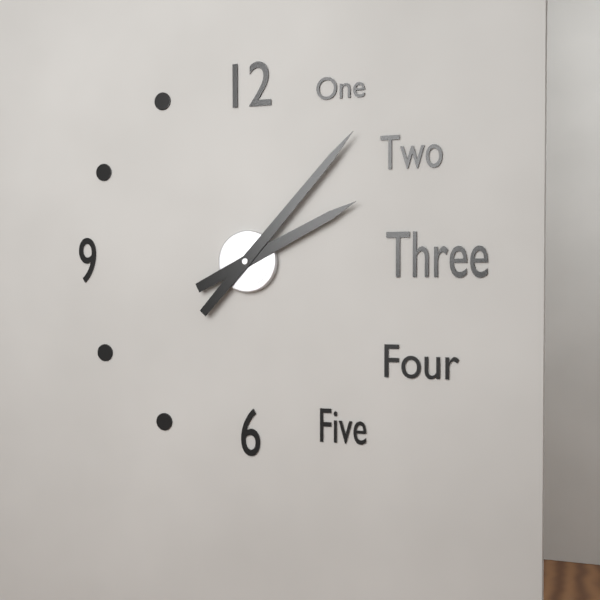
2:07
